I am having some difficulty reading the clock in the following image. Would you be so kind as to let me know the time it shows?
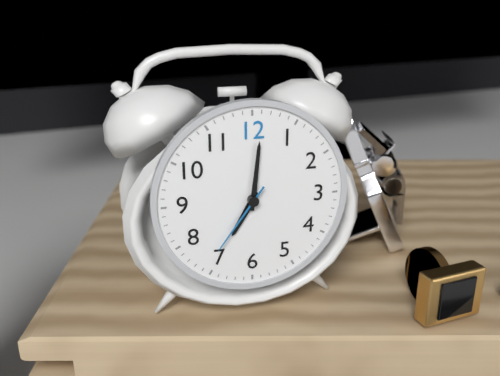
7:01:36
